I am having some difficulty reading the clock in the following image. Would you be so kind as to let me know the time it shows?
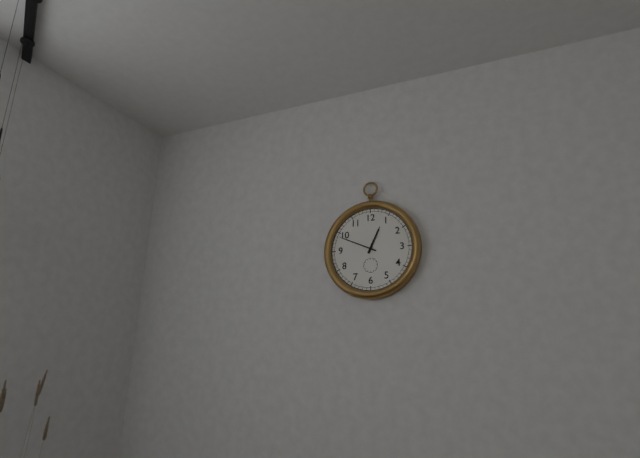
12:49
